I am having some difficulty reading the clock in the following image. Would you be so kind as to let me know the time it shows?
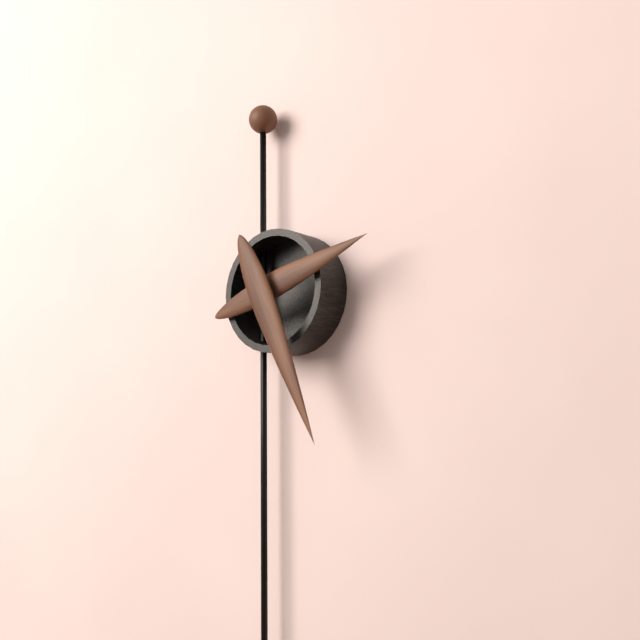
2:26
